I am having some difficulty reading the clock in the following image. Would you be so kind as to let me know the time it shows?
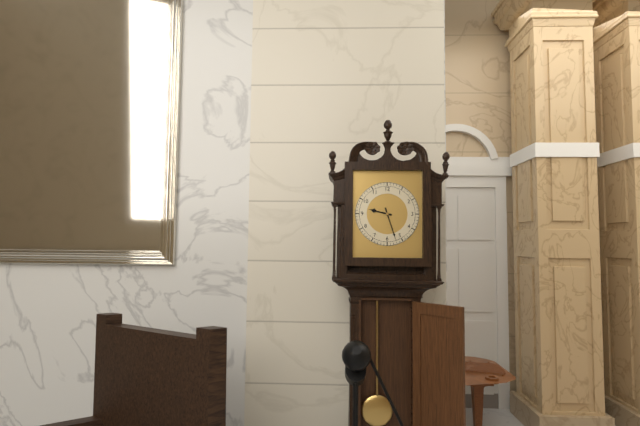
9:27
